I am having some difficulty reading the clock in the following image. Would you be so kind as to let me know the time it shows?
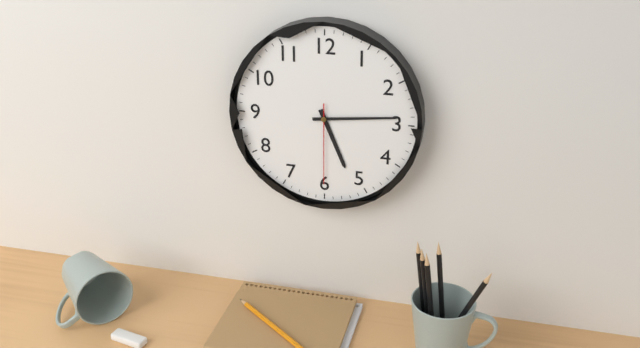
5:14:30
